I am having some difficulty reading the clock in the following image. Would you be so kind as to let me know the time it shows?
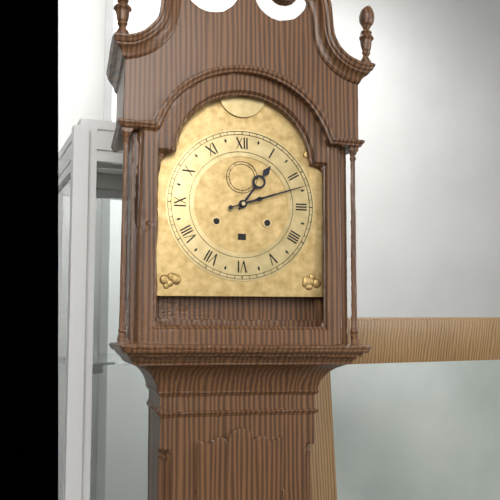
1:12
